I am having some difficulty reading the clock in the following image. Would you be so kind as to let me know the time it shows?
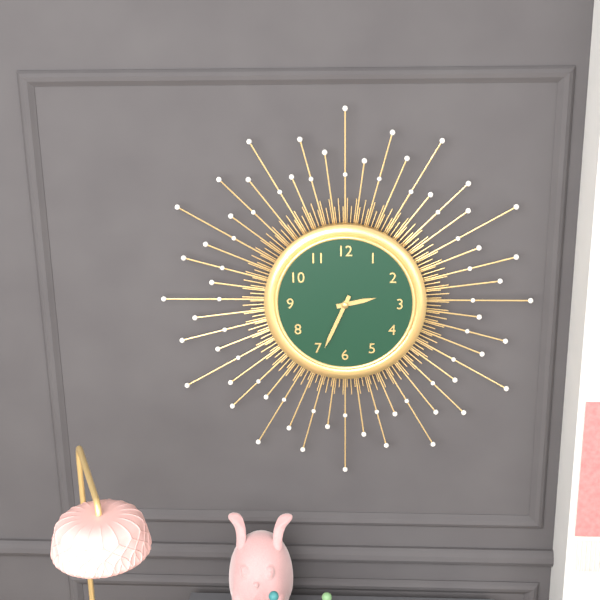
2:34
